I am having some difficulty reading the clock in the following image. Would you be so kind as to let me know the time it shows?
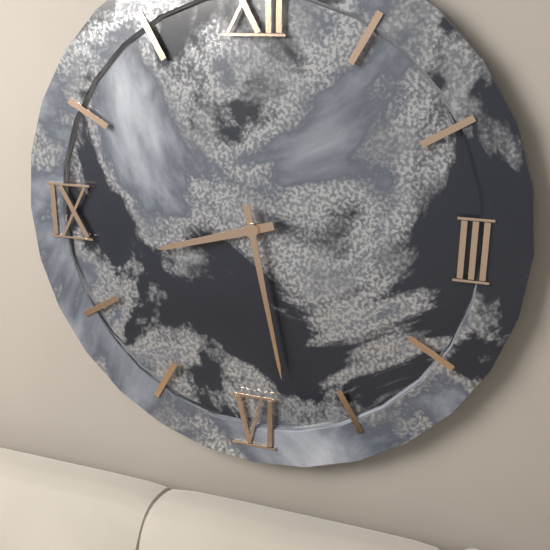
8:28
